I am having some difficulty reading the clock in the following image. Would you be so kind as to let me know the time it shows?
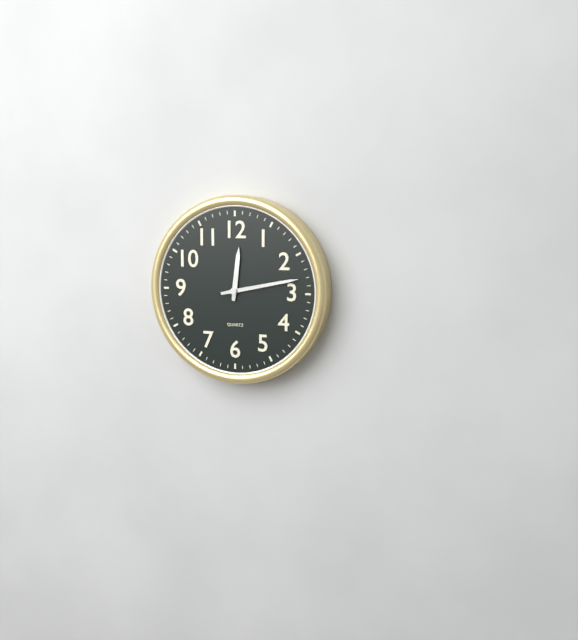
12:13
